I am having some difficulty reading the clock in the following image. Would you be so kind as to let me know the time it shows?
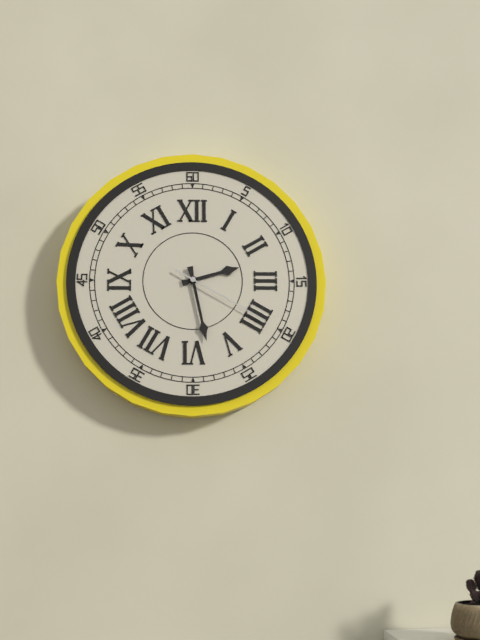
2:28:20
